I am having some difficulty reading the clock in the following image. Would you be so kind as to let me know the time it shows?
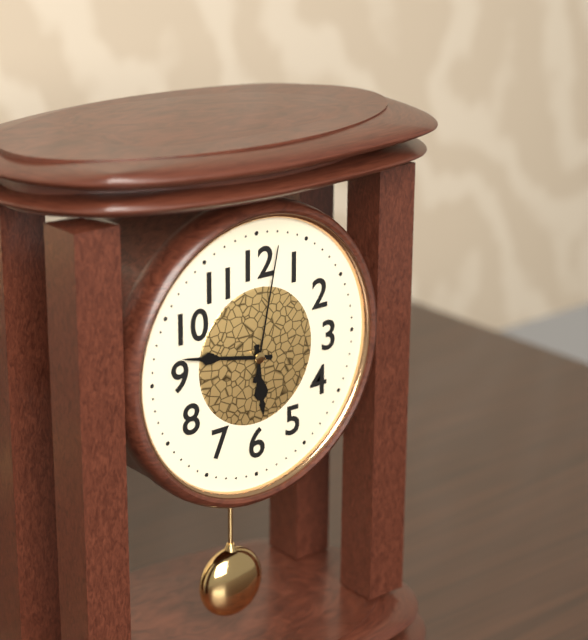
5:47:02
